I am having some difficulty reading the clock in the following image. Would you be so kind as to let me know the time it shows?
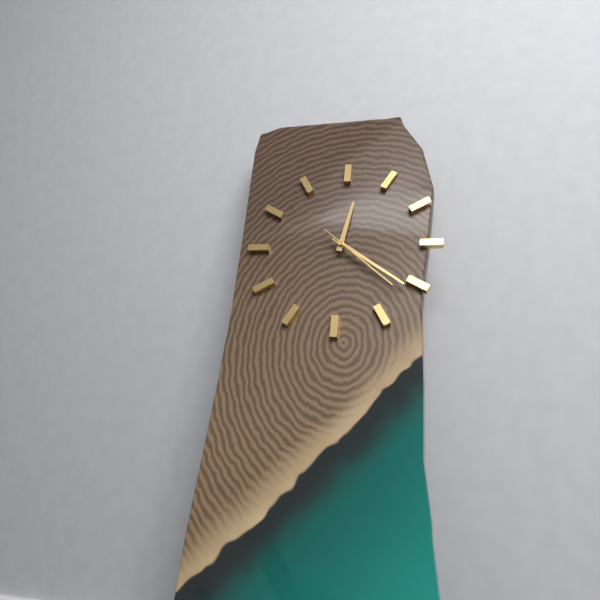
12:21:22
